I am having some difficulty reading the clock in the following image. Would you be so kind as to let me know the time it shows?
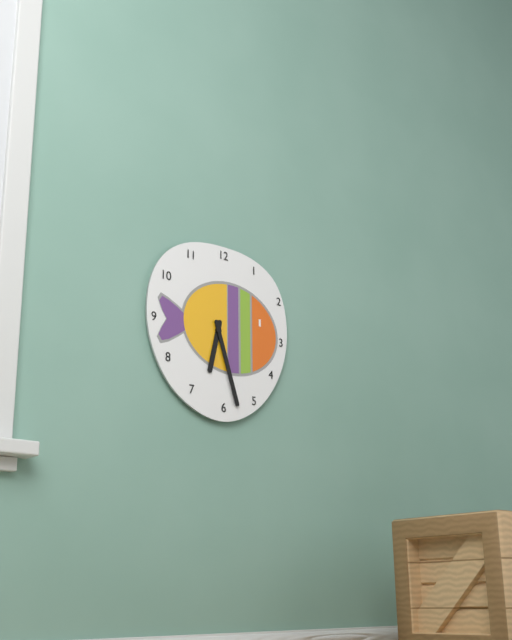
6:27
